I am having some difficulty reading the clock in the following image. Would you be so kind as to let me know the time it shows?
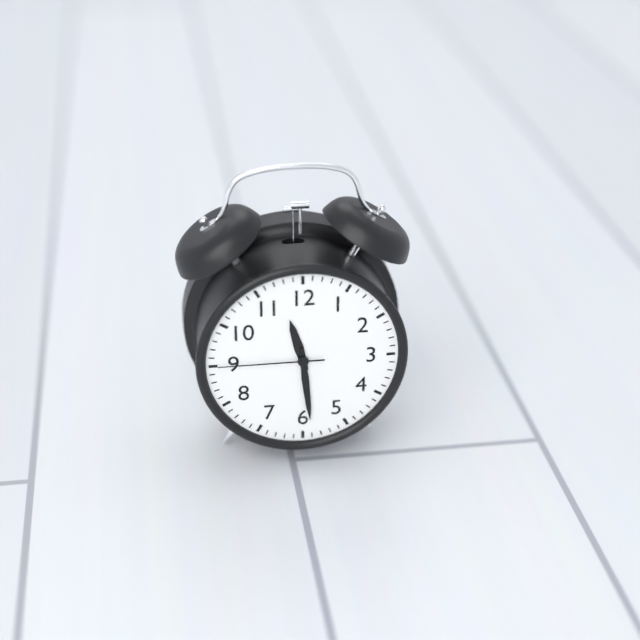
11:29:45
